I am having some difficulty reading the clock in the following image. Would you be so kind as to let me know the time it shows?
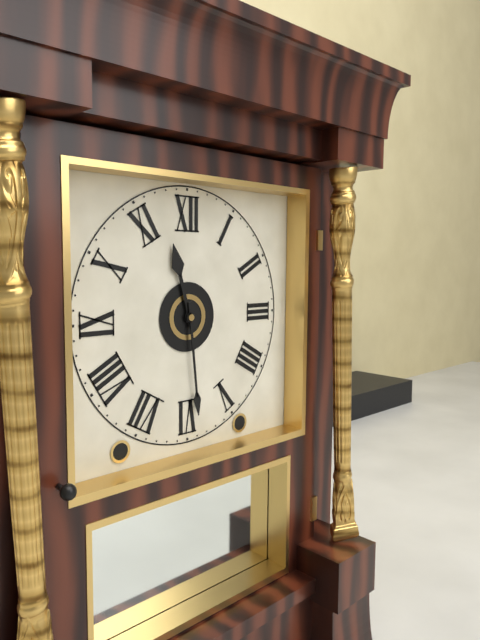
11:29
